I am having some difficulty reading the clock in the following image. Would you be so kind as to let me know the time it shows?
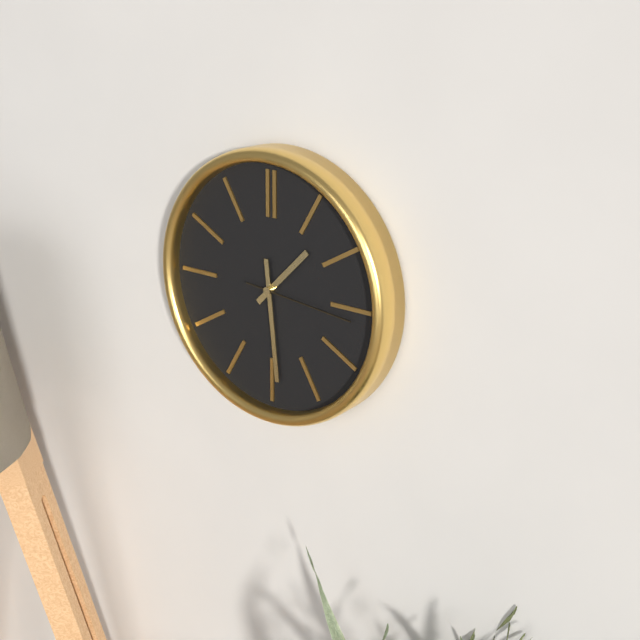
1:29:16
